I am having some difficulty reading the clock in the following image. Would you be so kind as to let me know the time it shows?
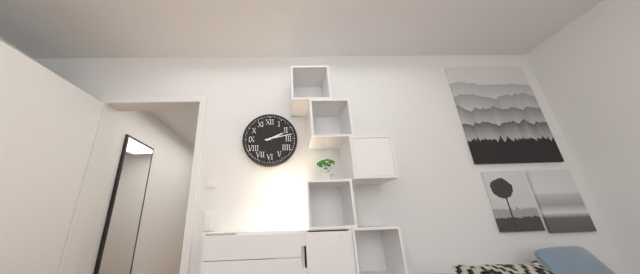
2:13
